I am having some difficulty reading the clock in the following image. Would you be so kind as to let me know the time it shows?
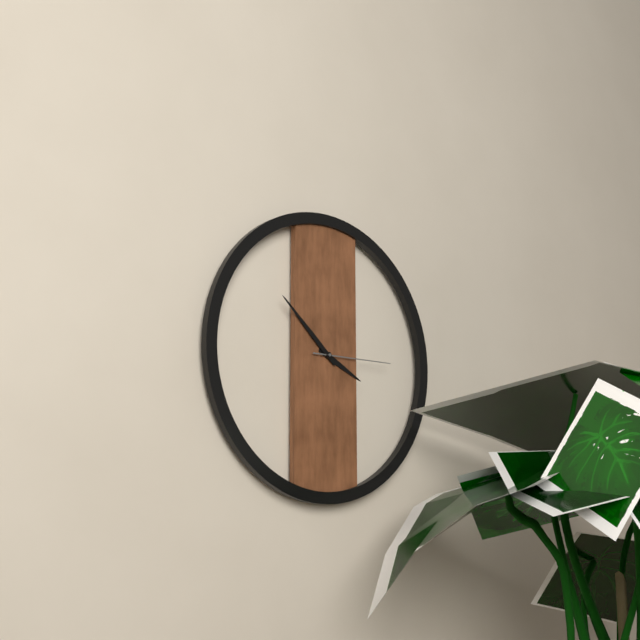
3:52:15
